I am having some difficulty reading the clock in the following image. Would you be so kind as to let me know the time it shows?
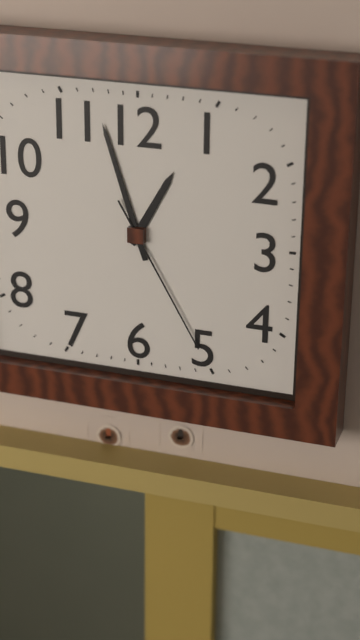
12:57:25
